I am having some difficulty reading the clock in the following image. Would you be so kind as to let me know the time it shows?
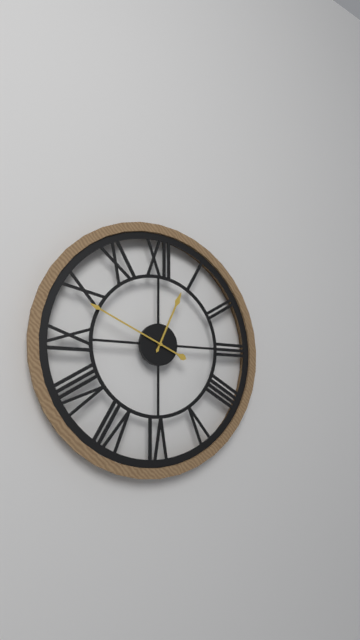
12:49
